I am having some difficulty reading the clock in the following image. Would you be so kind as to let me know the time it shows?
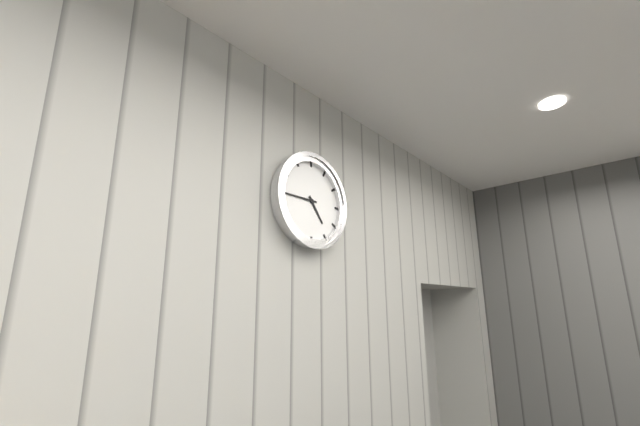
4:45
